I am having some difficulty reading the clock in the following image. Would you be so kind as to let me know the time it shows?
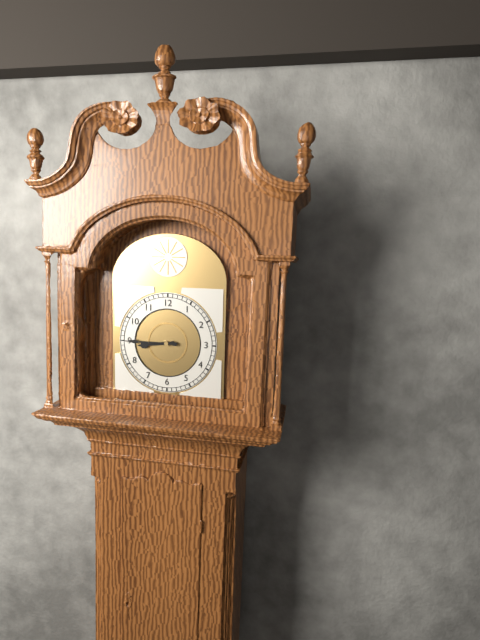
8:45
